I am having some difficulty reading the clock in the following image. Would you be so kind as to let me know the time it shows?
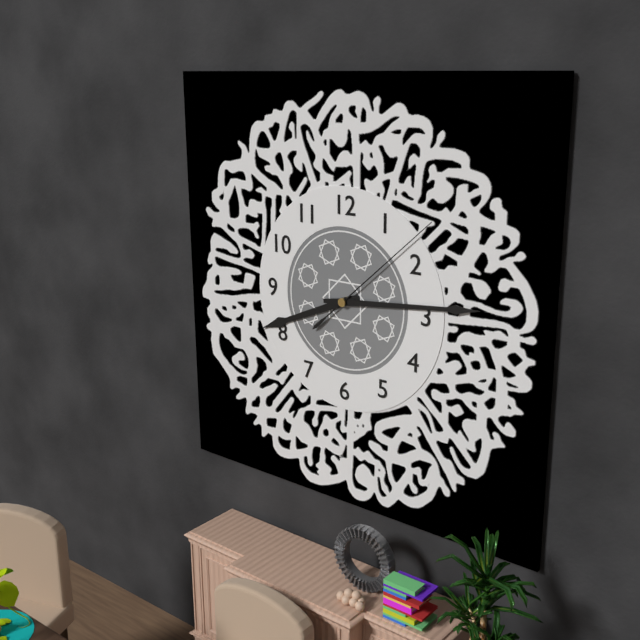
8:14:08
